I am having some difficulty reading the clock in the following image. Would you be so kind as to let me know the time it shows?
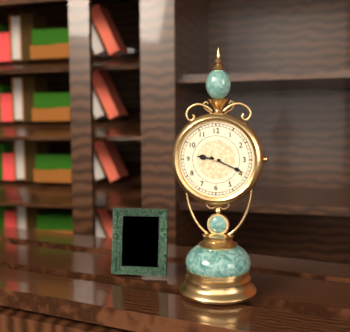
9:19
